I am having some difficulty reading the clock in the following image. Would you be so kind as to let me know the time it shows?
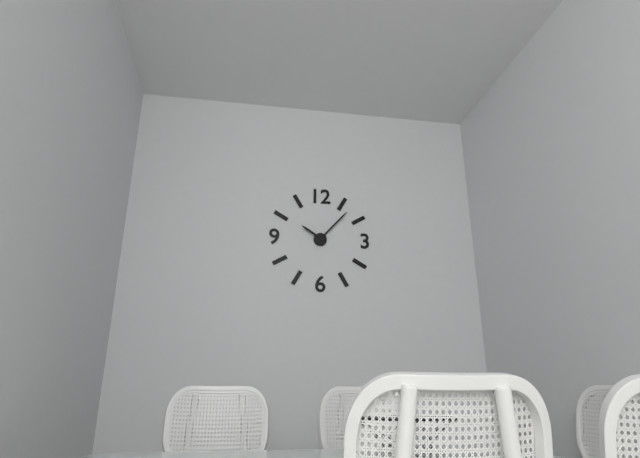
10:07
